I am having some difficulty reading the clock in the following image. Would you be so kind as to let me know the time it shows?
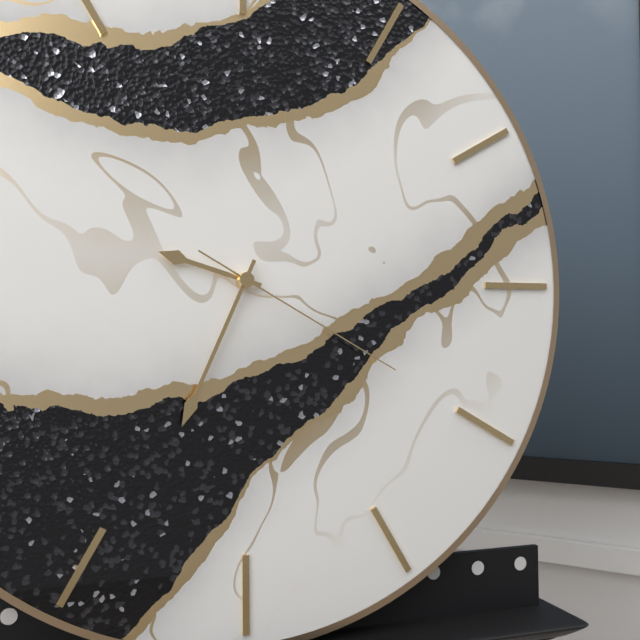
9:34:20
